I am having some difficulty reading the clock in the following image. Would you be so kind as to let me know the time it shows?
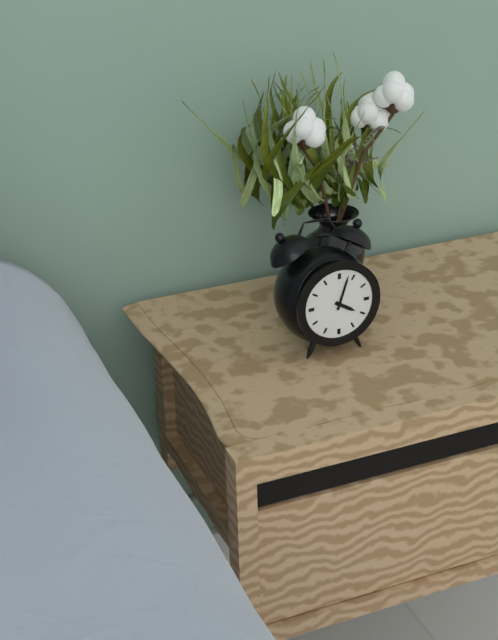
4:03
